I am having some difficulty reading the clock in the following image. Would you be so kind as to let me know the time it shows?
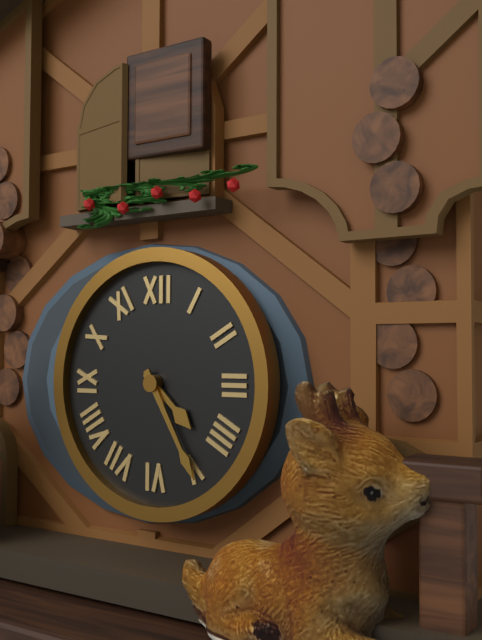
4:25
